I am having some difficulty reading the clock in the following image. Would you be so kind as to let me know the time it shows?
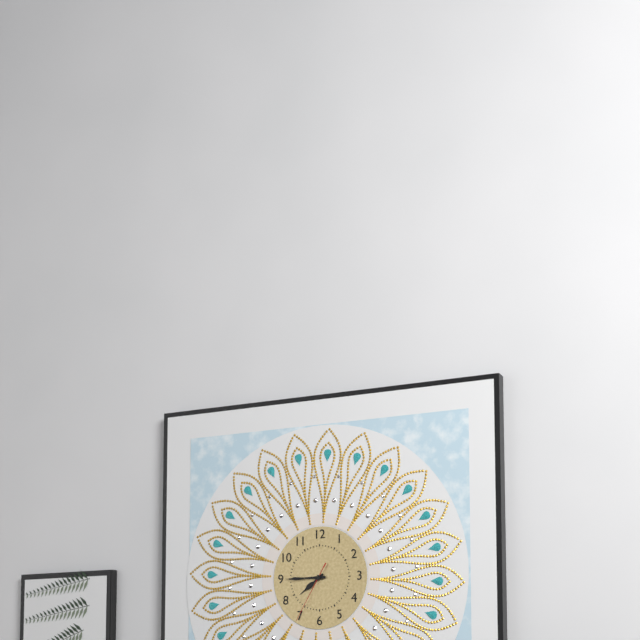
7:45:35
